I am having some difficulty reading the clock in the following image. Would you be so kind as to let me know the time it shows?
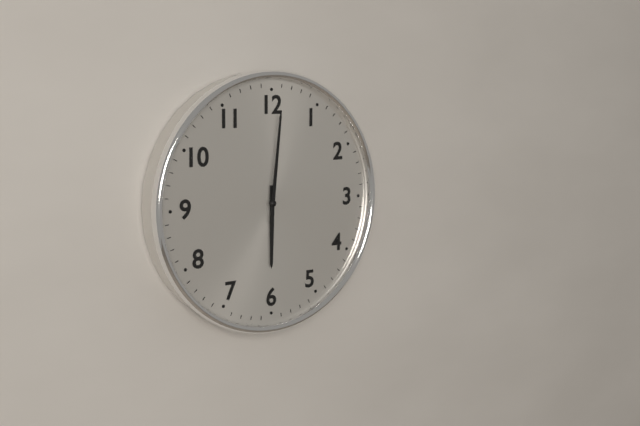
6:01
